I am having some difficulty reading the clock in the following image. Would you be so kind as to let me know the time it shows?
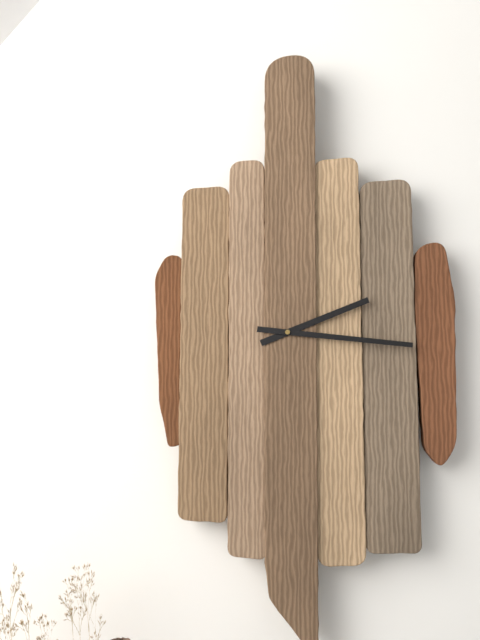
2:16
